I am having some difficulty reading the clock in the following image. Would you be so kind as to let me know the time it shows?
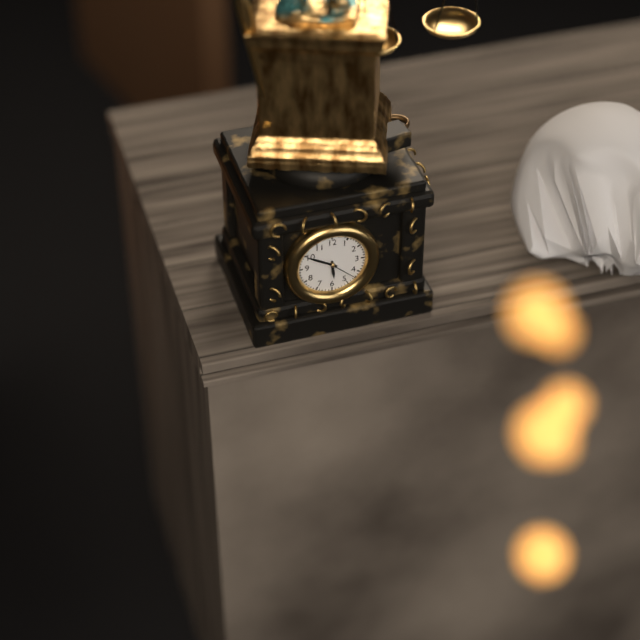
5:50
